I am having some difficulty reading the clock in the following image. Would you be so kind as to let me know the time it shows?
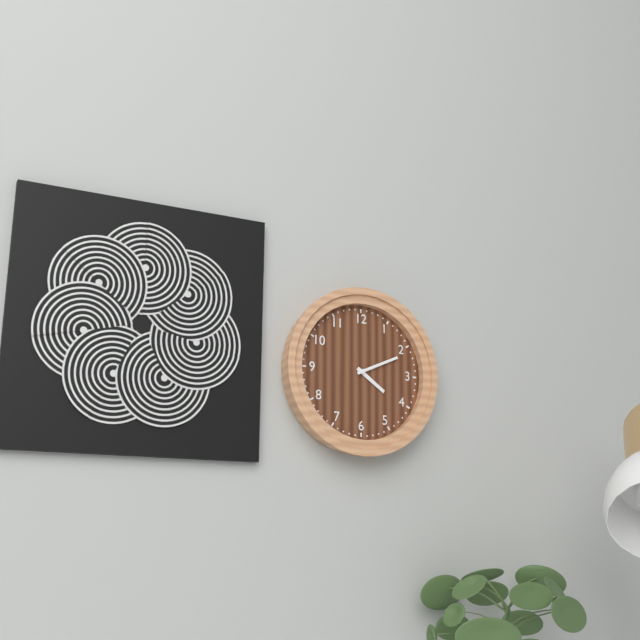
4:11
